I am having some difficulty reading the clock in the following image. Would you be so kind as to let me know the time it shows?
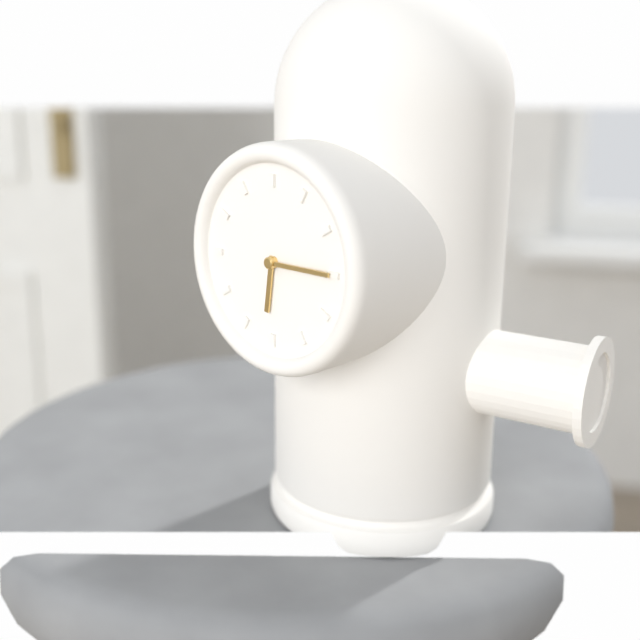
6:15
